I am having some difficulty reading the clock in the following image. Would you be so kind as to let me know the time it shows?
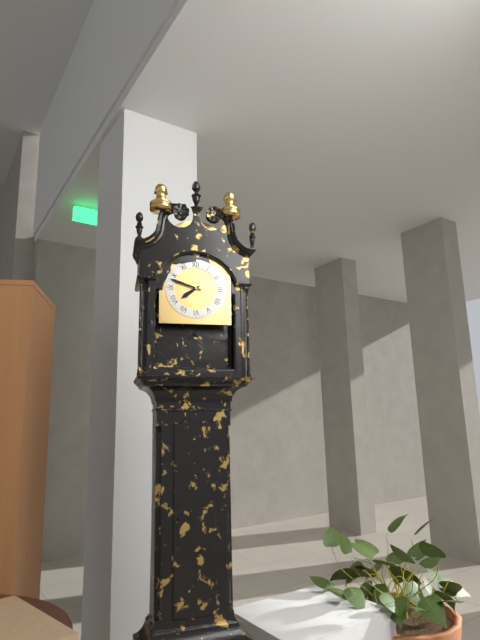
7:48
